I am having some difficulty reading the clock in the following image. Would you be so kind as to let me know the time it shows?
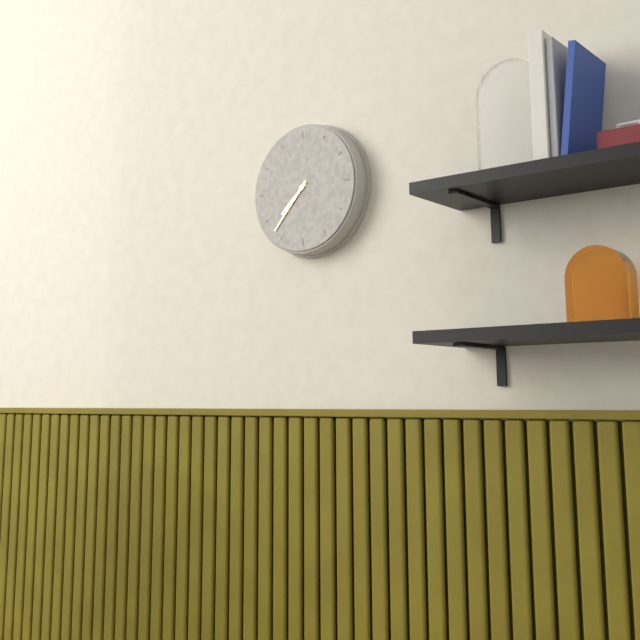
7:37
